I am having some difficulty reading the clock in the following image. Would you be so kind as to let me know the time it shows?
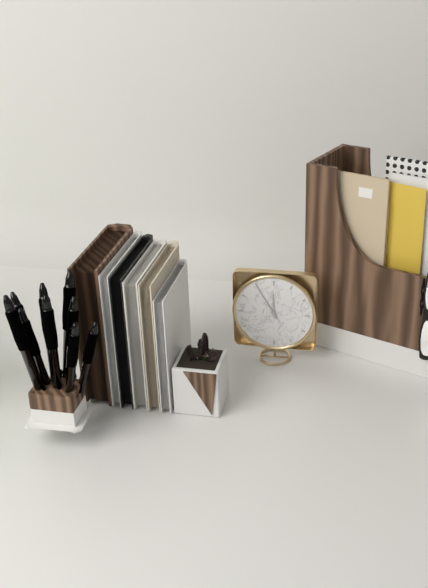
11:55
